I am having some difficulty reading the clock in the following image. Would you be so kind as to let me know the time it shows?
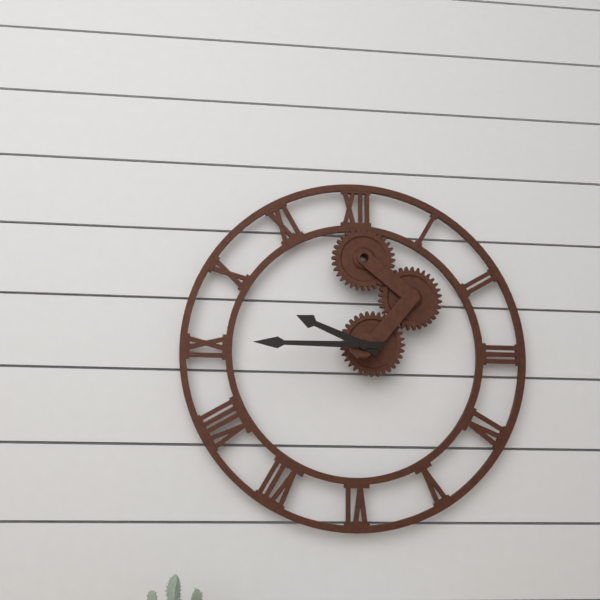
9:45
